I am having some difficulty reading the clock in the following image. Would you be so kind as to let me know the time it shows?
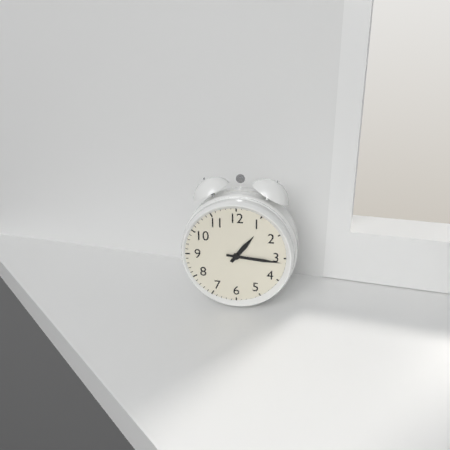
1:16
